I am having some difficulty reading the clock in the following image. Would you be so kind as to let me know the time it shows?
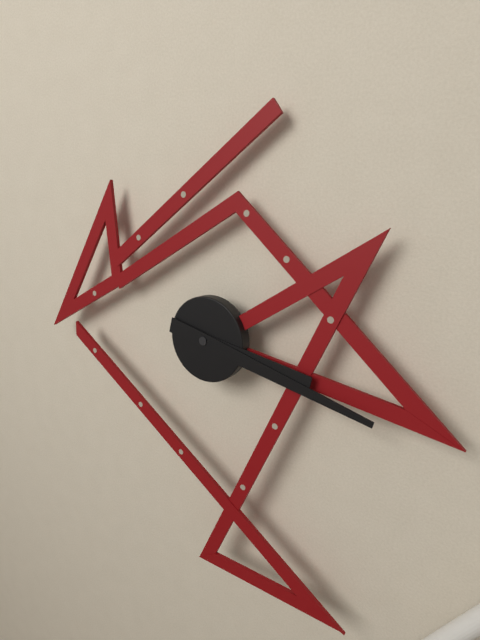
3:17
